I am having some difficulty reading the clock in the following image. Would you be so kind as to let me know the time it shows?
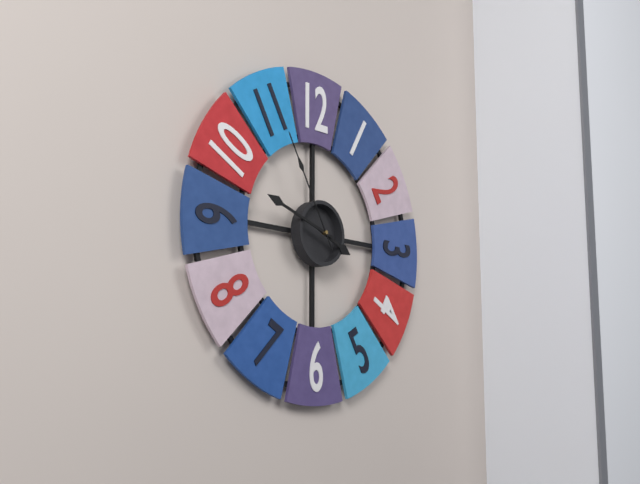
3:48:55
